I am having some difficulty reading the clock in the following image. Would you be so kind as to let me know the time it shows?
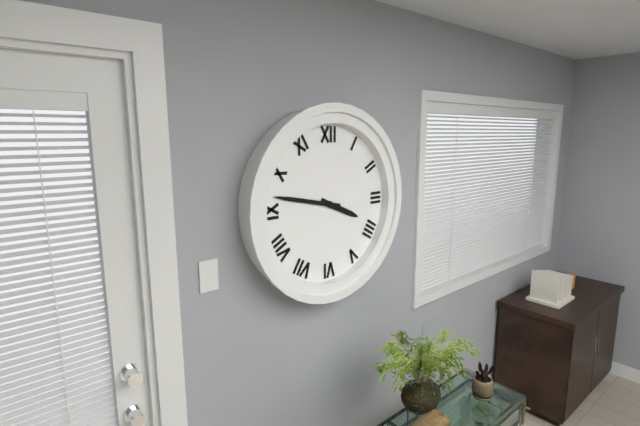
3:47
